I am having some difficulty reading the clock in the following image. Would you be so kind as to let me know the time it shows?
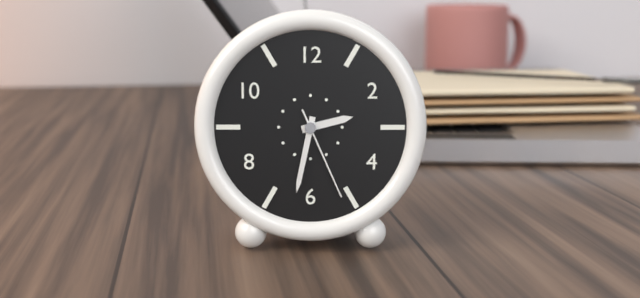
2:32:26
